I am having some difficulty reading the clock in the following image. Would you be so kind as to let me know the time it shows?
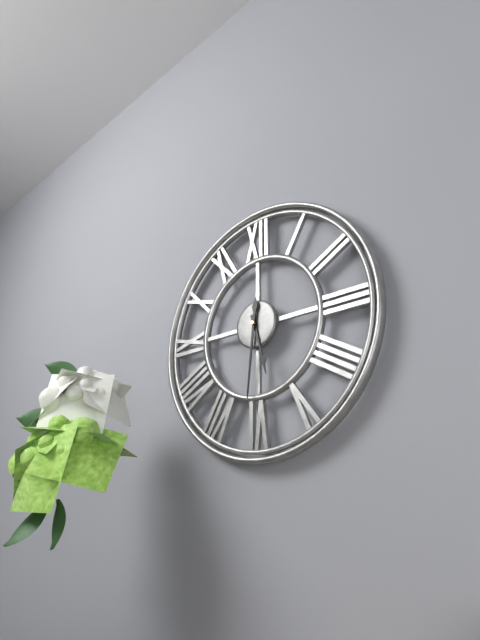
5:31
